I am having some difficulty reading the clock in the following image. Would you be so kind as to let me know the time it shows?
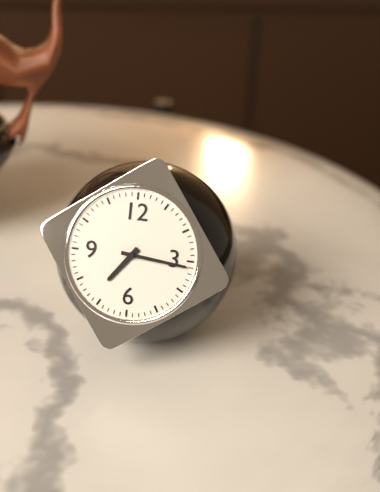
7:16
